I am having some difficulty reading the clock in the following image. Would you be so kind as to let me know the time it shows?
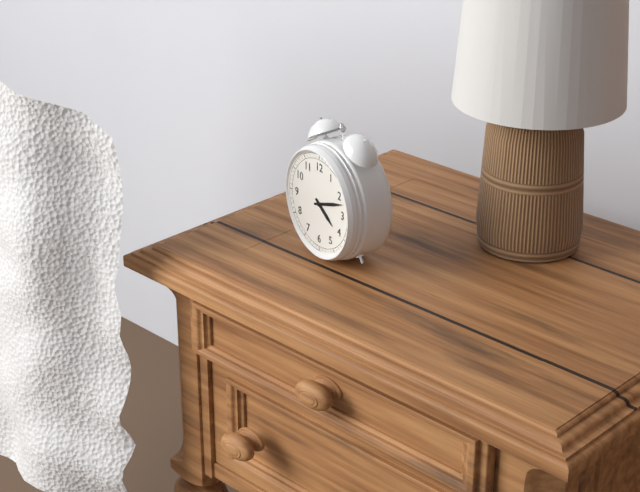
4:12
